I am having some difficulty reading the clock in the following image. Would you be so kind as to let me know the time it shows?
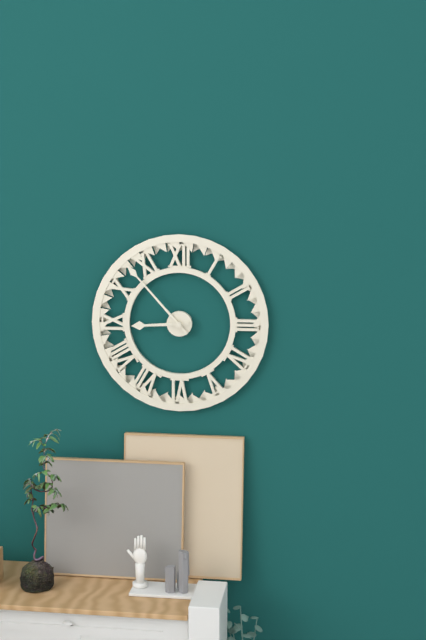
8:53
